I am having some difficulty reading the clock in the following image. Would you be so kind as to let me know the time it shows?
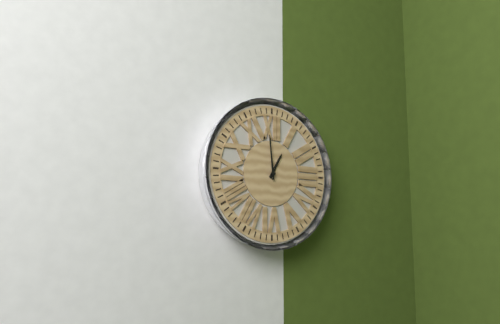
12:59
